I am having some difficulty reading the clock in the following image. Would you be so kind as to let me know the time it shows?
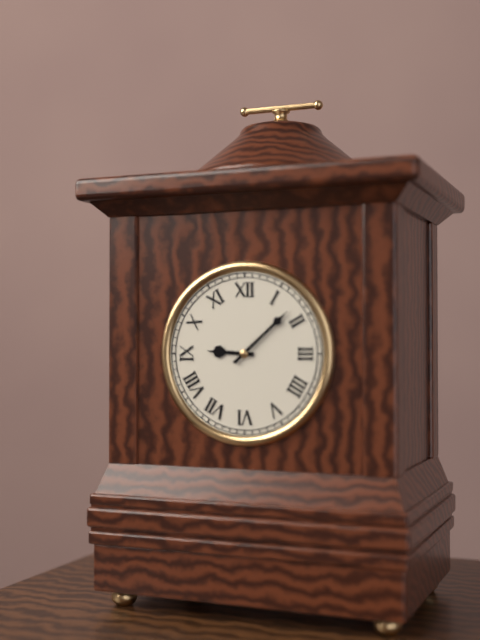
9:08
